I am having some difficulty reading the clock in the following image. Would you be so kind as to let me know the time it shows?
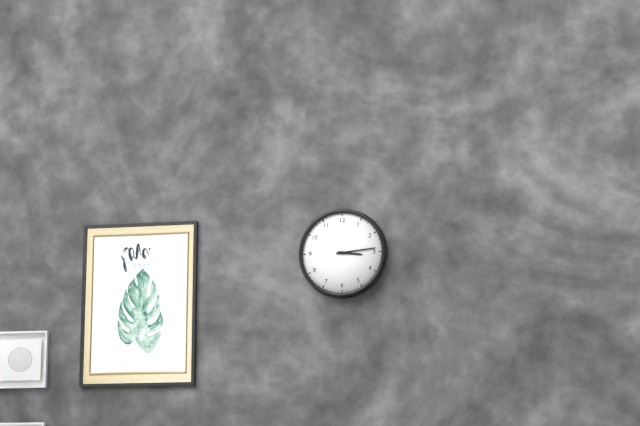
3:14
